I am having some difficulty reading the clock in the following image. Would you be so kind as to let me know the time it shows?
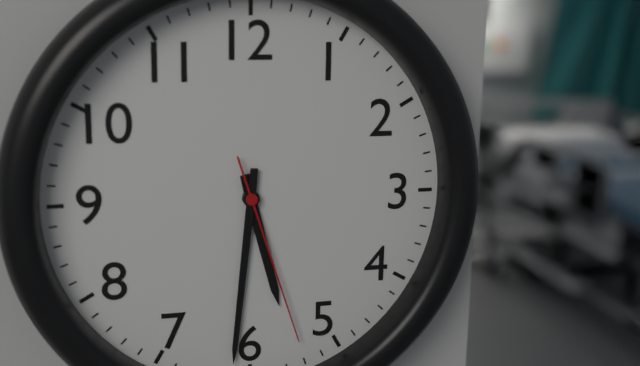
5:31:27
